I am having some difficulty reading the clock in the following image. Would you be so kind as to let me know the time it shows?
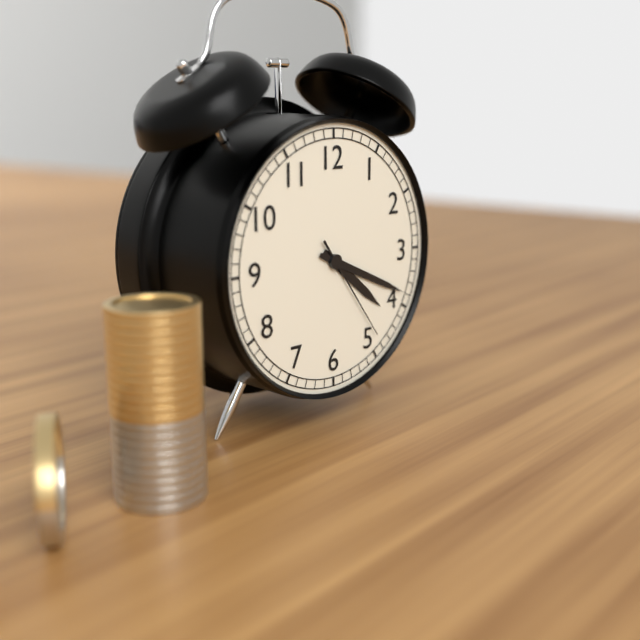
4:19:24
